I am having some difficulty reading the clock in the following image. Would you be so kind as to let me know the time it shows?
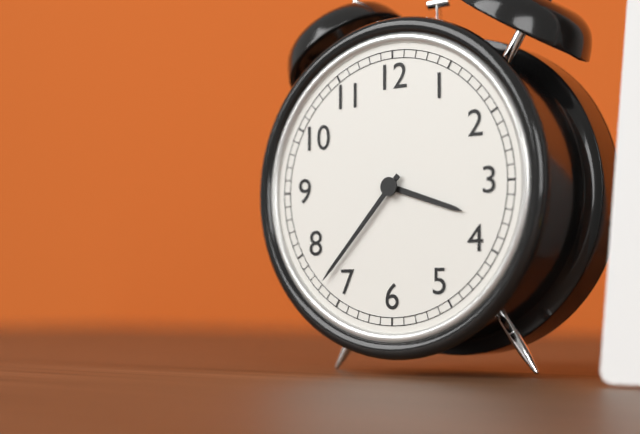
3:37
